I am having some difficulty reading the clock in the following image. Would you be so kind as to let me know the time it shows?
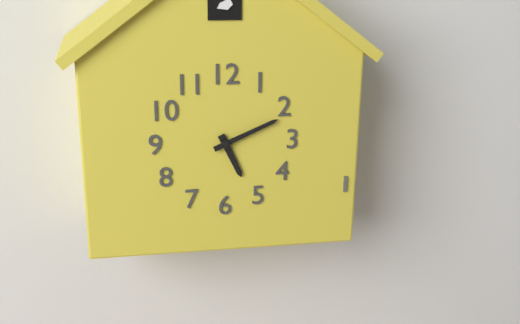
5:11
